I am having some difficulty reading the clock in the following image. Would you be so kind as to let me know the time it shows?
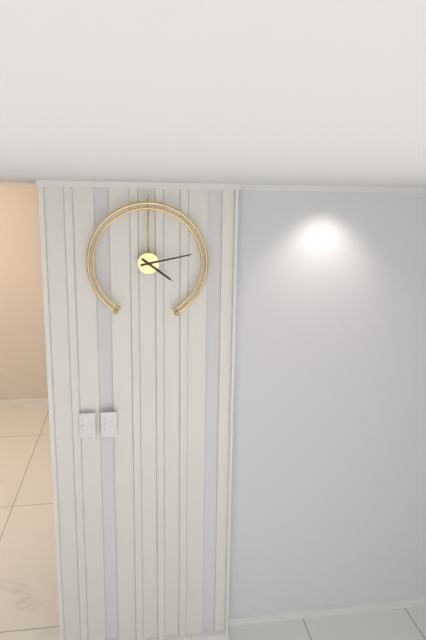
4:13
